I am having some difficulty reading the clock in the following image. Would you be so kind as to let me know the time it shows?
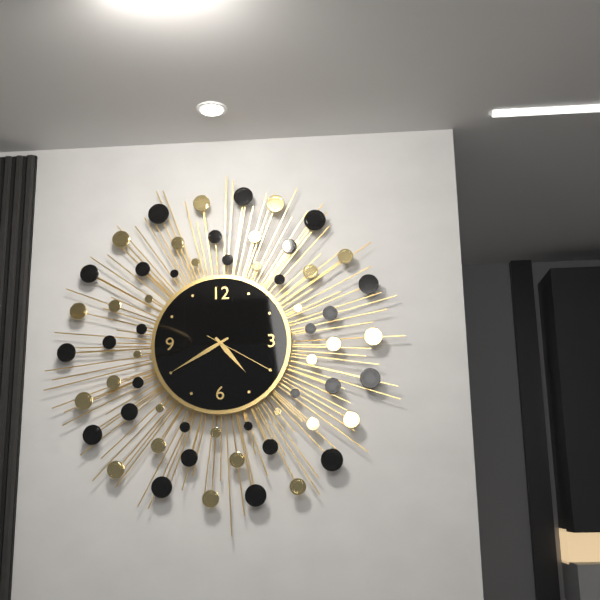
4:40:20
